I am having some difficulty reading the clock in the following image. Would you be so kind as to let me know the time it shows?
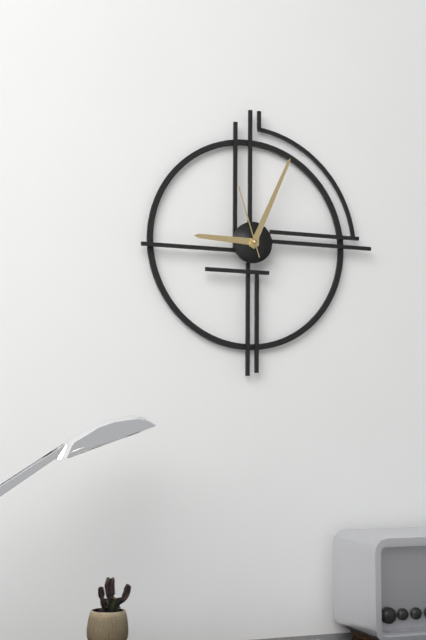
9:04:57
